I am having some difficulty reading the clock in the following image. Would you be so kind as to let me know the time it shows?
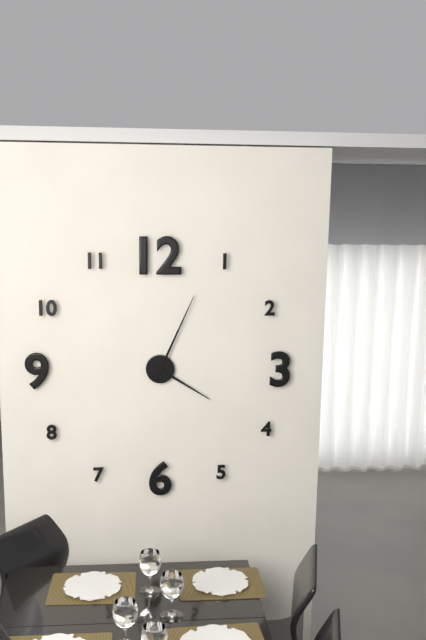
4:04
